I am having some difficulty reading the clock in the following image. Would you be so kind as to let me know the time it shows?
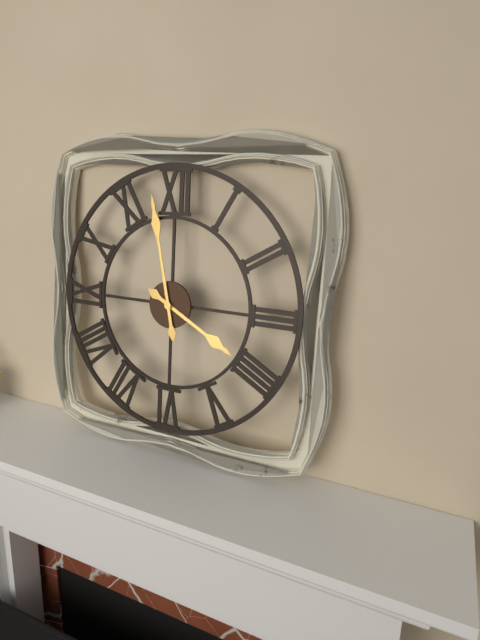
3:58
